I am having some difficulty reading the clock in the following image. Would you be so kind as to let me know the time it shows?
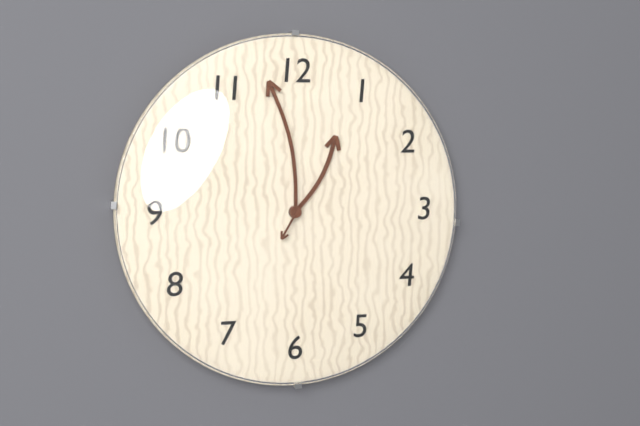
12:58
